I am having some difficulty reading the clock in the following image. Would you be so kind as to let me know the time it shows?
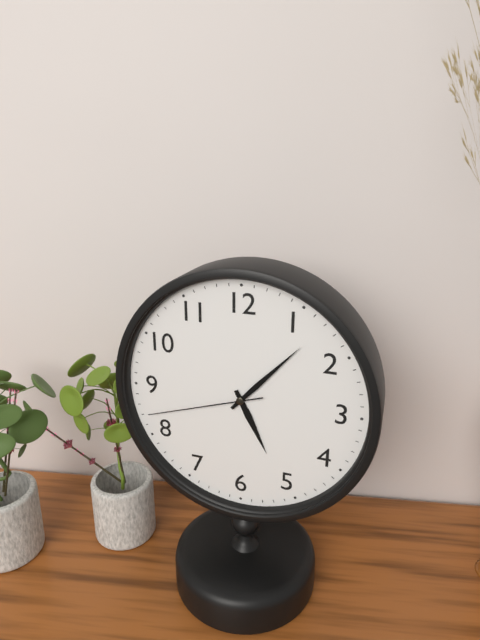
5:07:42
